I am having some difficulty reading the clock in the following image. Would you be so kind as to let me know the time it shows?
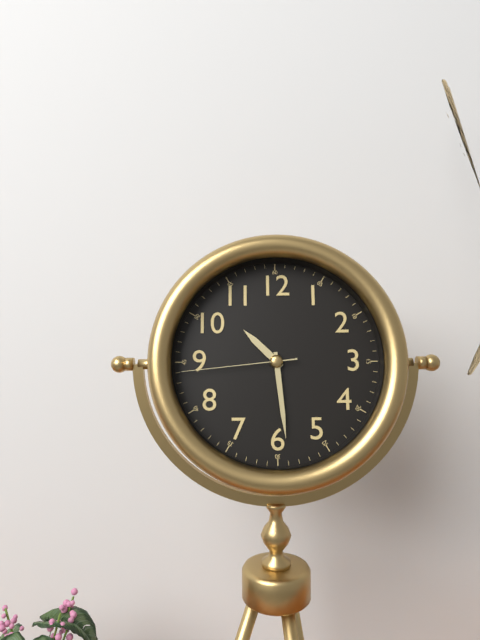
10:29:44
